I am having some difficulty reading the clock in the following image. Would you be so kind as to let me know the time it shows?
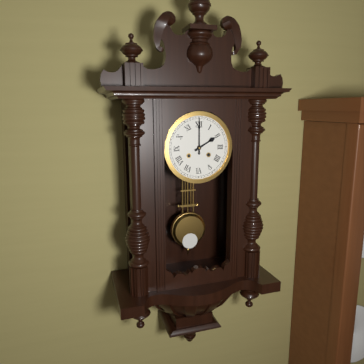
2:00
